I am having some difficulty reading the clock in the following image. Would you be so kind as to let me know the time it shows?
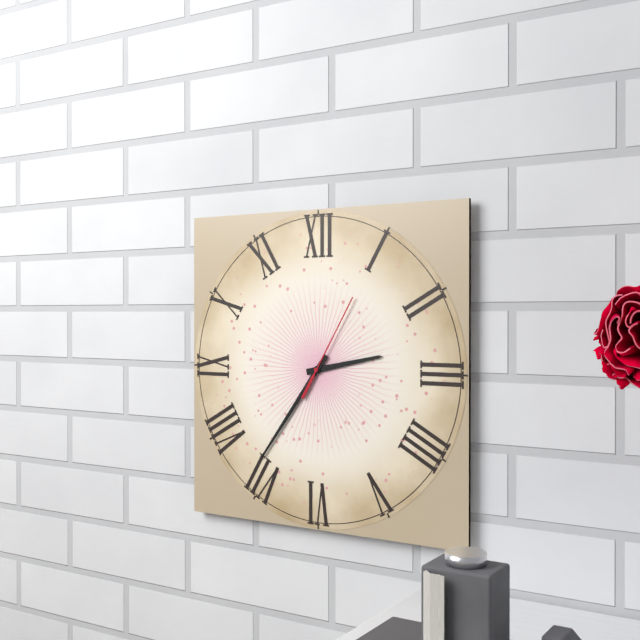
2:36:05
